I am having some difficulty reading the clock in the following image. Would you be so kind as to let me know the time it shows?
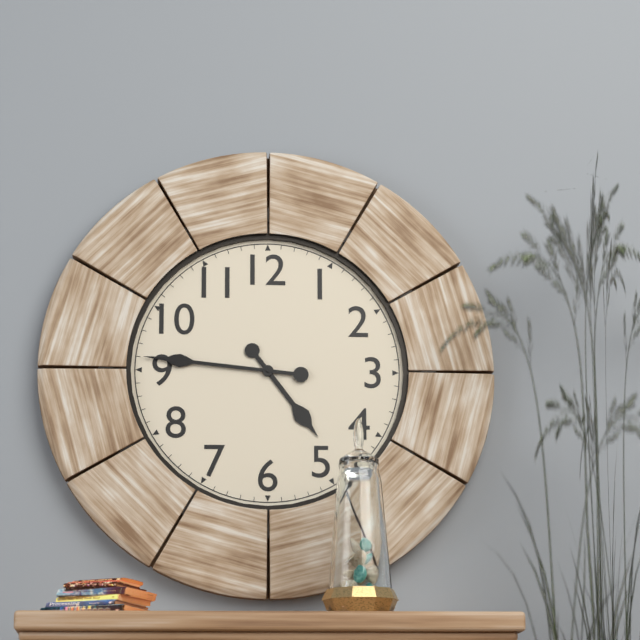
4:46
